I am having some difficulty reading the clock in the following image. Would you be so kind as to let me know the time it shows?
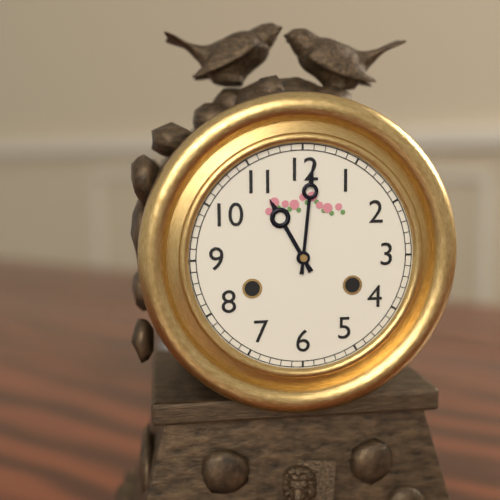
11:01
